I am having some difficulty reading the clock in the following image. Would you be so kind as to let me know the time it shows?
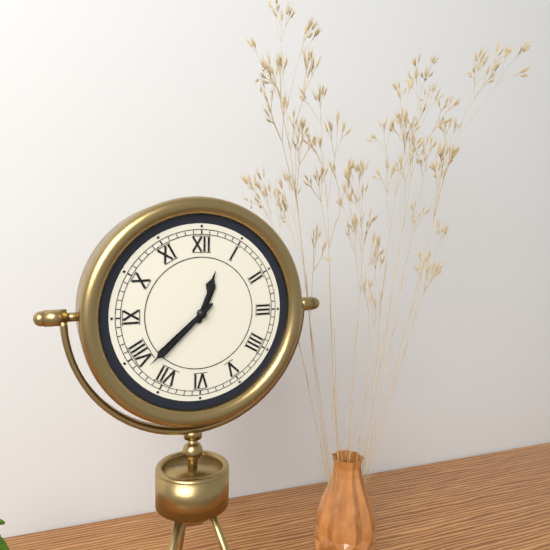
12:38
